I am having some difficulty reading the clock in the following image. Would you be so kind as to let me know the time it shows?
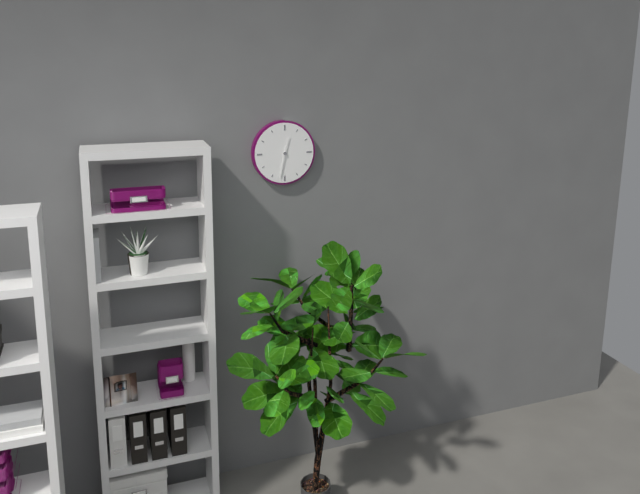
12:32
